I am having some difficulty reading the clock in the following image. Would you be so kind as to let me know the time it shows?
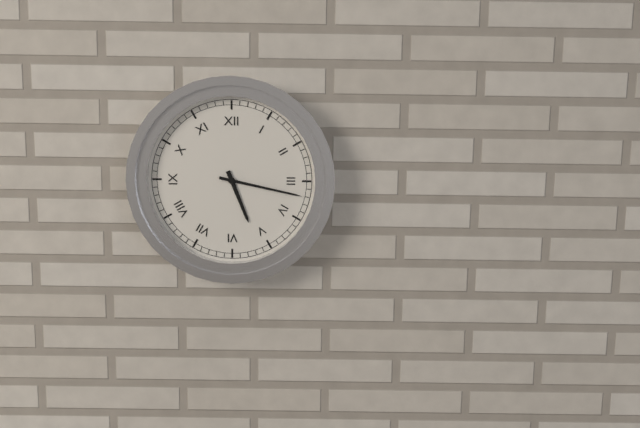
5:17
